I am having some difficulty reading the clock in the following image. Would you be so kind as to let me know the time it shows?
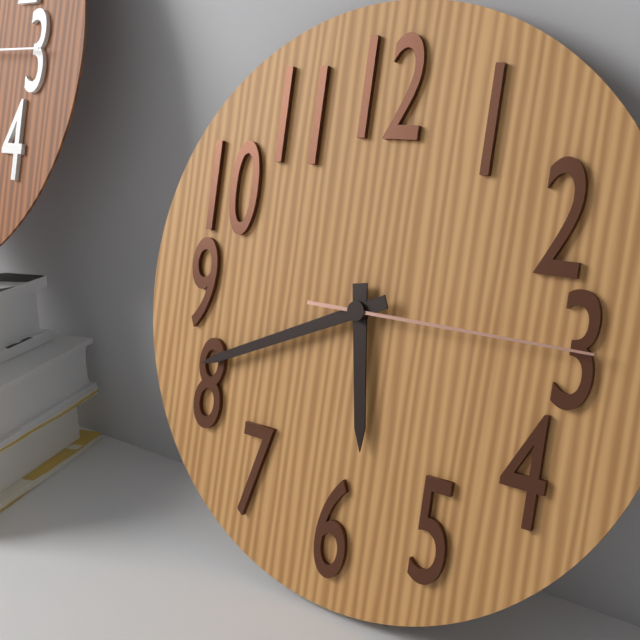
5:41:15
